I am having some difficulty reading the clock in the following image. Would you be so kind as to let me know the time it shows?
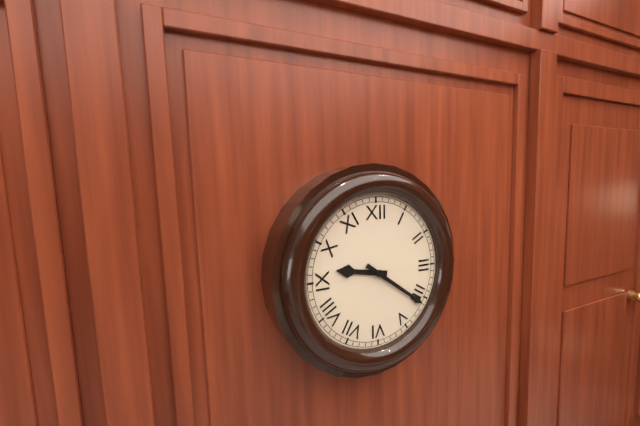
9:21
